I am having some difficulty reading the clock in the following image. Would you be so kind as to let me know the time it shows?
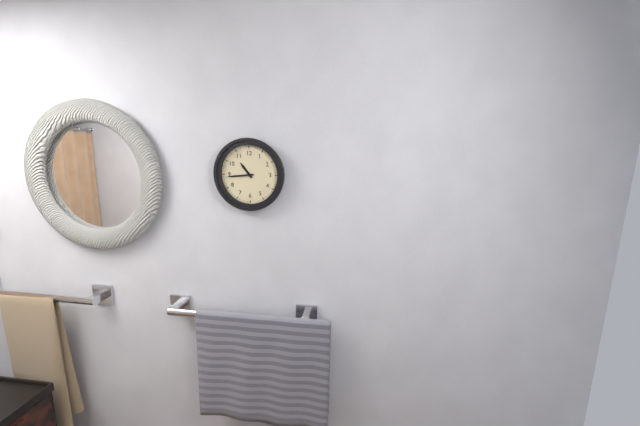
10:44
